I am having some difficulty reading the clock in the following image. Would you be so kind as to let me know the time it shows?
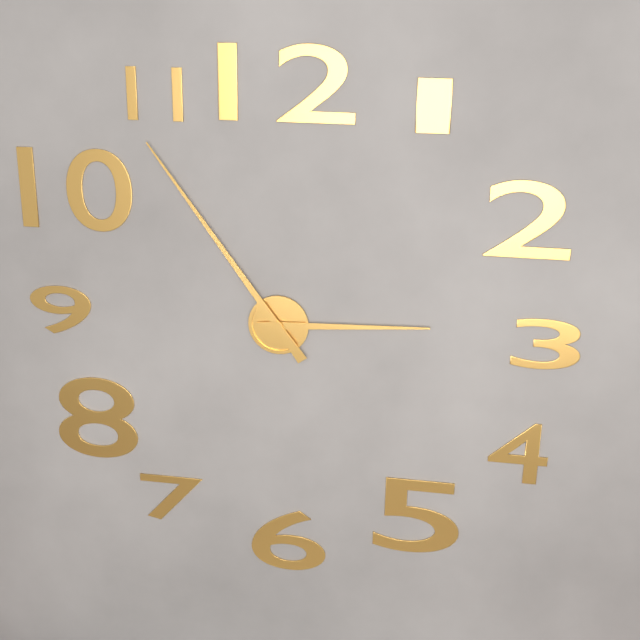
2:54
